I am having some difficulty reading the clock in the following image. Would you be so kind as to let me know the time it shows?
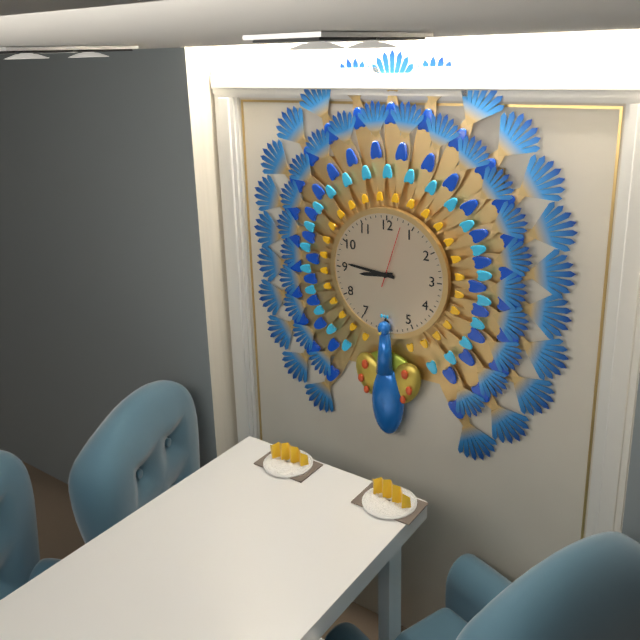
8:46:03
